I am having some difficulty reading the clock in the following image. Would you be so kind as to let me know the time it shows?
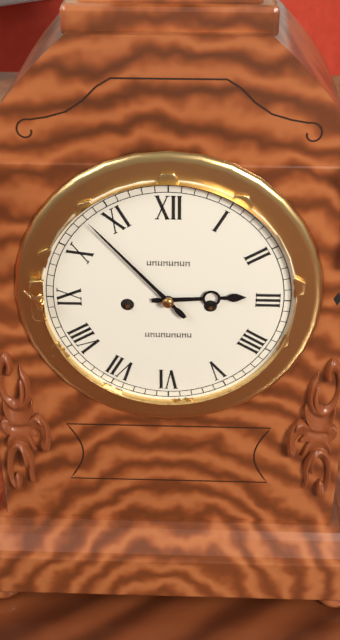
2:53
